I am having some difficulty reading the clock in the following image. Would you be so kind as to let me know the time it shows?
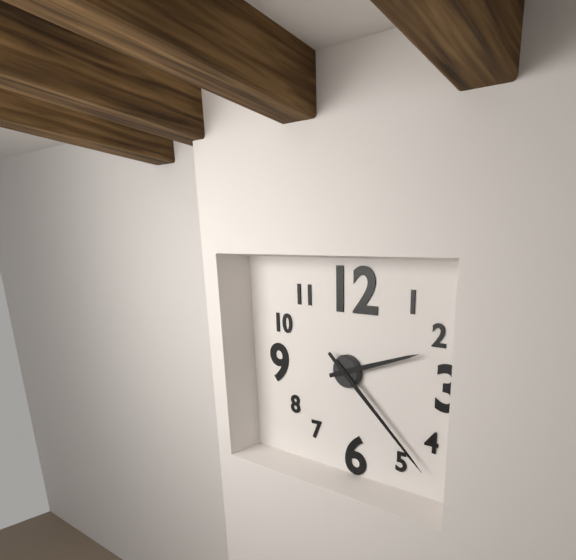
2:22
